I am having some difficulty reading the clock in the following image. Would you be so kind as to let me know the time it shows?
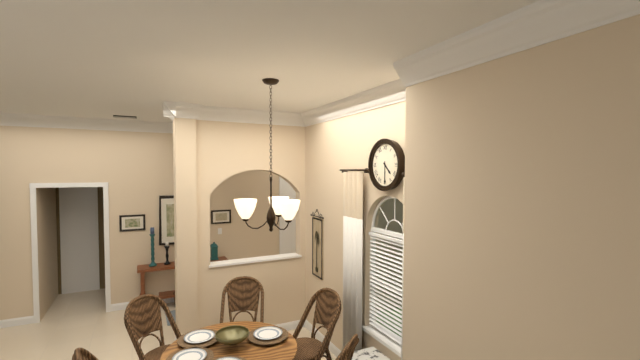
4:30
